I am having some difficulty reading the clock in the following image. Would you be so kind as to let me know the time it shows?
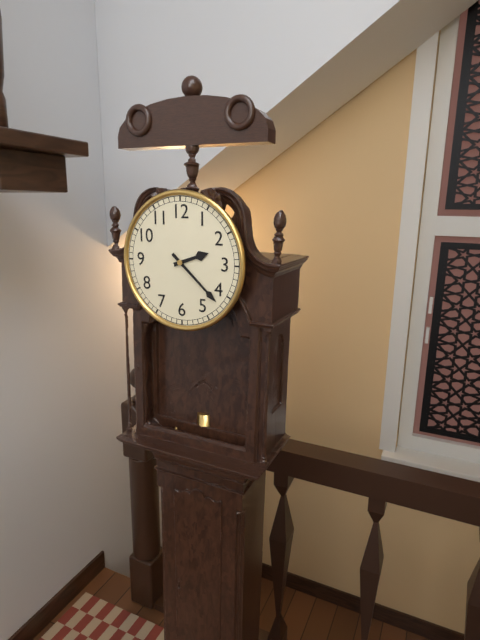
2:22
